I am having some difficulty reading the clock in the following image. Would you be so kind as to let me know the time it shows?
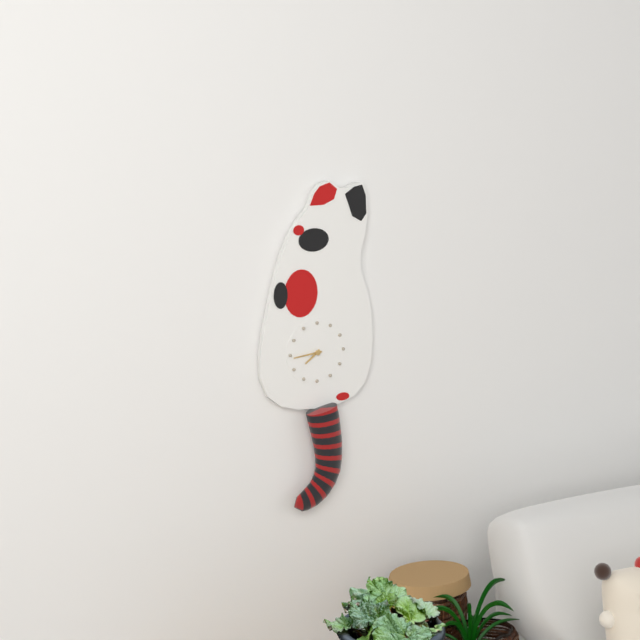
7:44
